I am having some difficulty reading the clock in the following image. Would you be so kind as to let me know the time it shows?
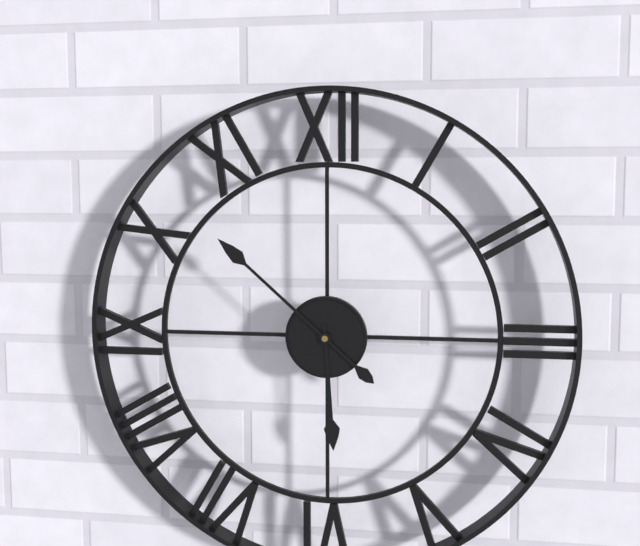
5:52
